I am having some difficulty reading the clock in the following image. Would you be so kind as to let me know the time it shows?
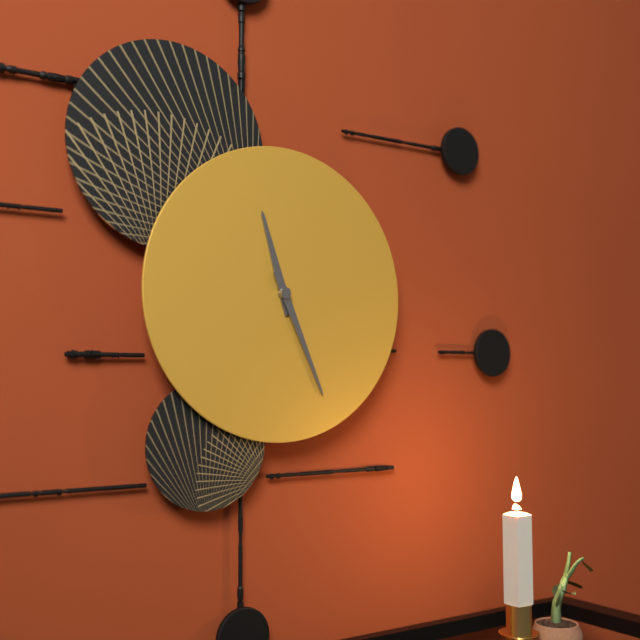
11:26
